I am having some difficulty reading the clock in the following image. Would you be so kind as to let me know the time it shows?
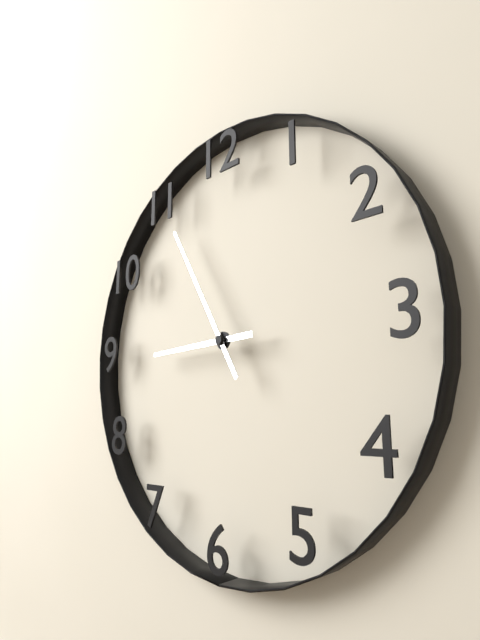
8:55
